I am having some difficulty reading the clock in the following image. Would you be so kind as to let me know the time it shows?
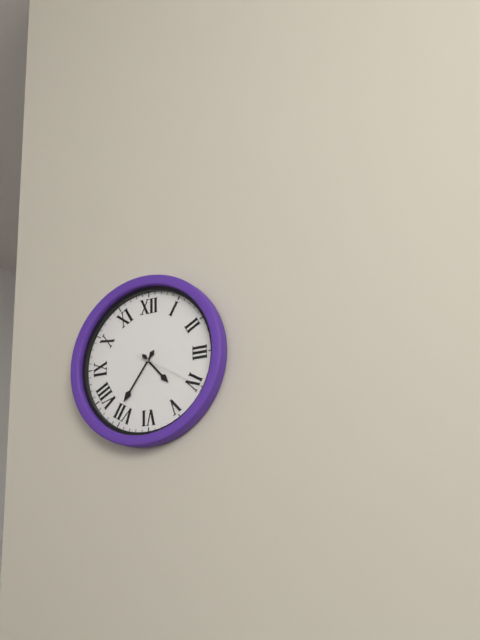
4:36:20
